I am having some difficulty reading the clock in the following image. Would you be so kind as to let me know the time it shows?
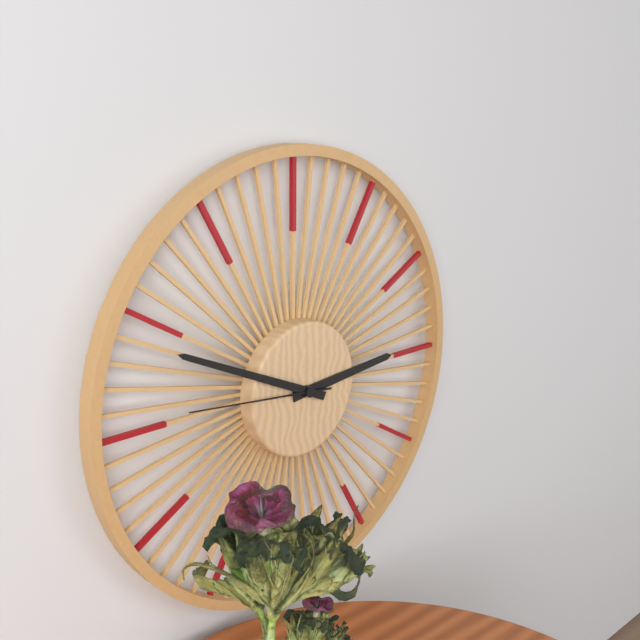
2:49:46
